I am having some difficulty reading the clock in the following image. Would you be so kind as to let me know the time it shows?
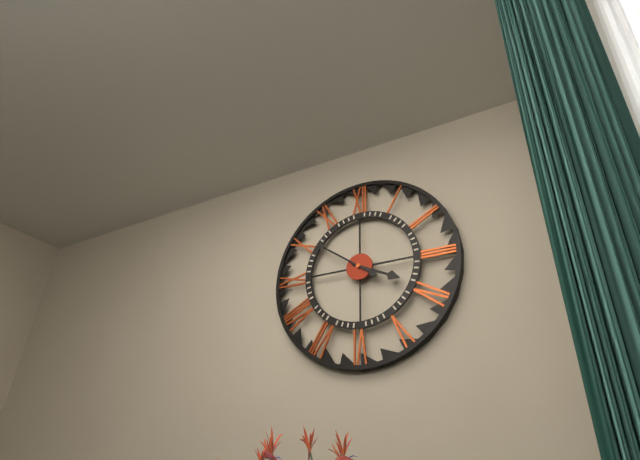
3:51
